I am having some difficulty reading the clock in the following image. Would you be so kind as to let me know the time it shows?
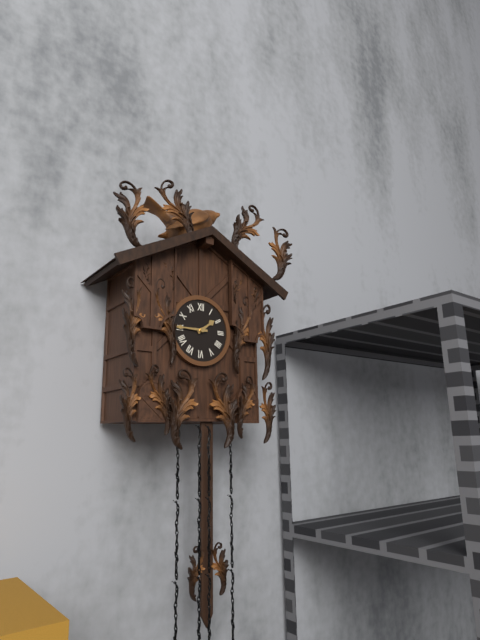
1:45
